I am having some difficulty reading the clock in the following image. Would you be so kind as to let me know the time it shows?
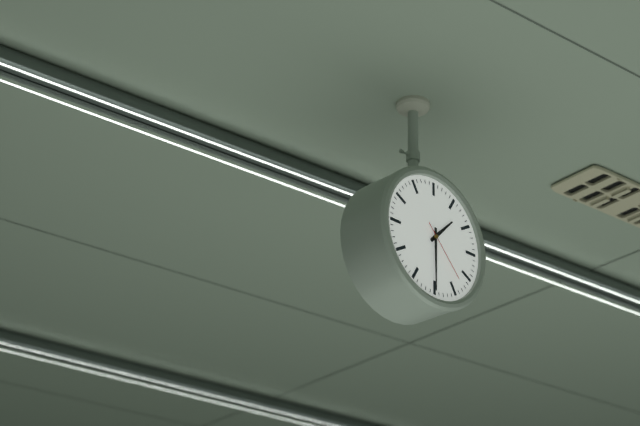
1:30:23
